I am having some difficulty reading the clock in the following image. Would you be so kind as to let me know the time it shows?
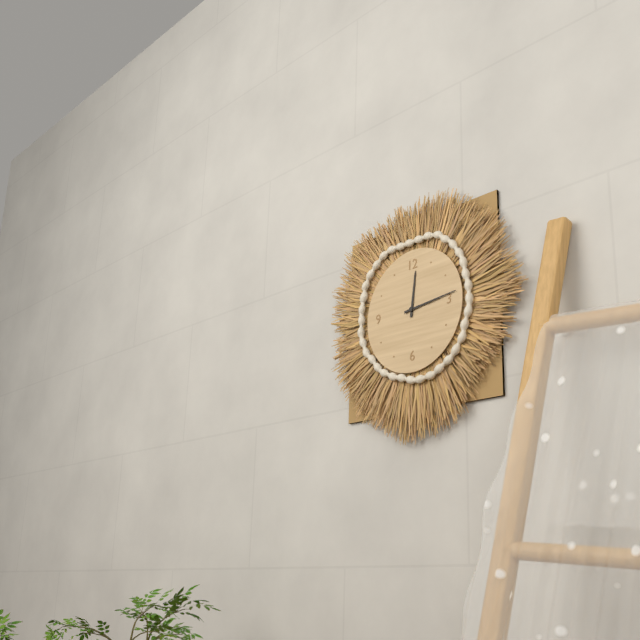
12:14
